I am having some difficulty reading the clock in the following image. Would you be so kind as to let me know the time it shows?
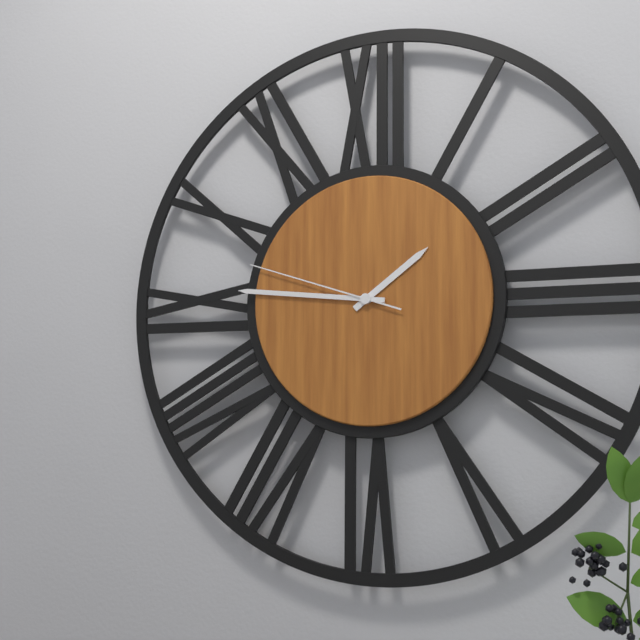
1:46:48
